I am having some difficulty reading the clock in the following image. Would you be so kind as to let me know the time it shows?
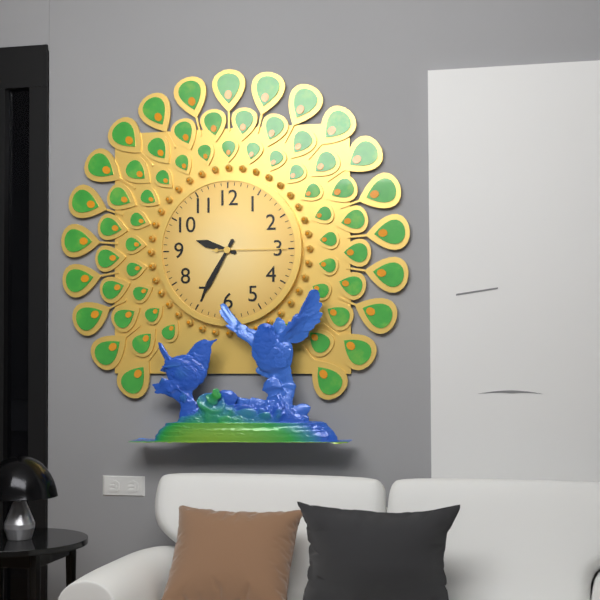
9:35:15
